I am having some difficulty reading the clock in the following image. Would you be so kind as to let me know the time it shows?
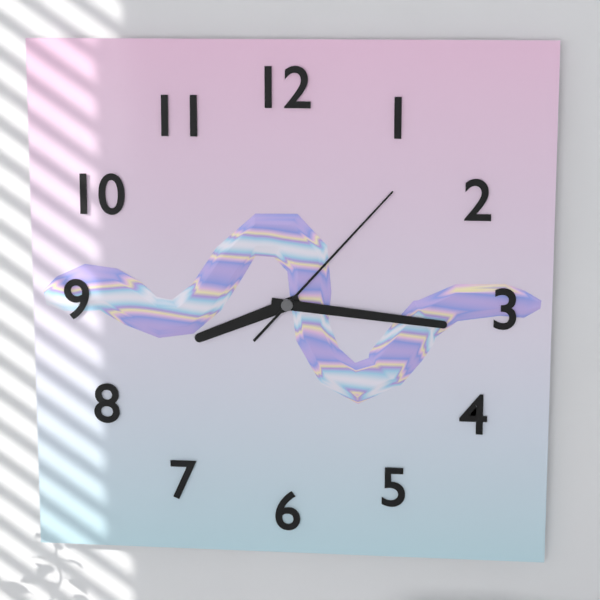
8:16:07
